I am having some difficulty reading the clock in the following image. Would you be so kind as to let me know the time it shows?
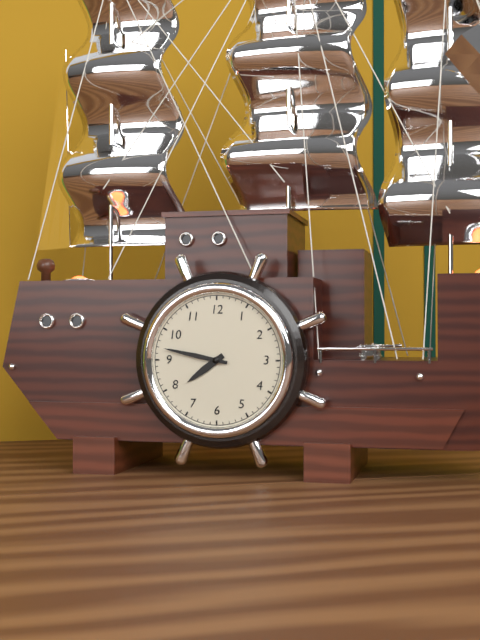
7:47
